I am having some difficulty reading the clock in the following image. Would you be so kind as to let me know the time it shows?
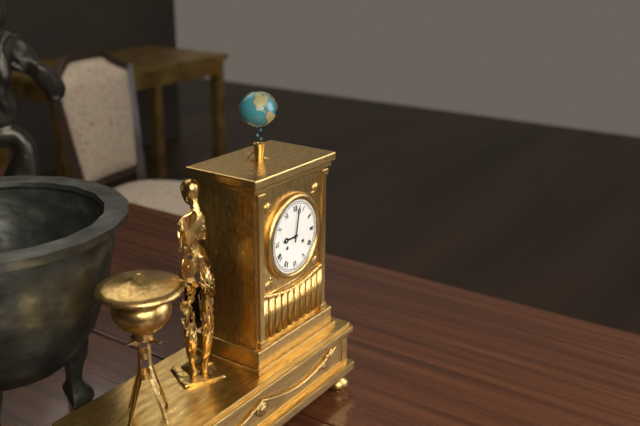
9:02
